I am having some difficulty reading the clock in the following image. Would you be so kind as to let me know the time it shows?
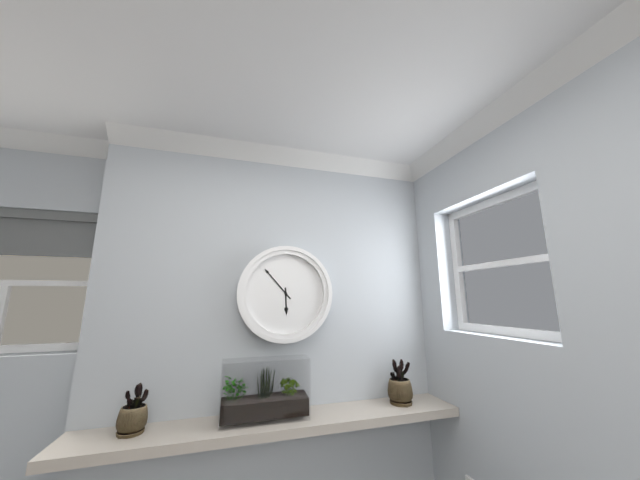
5:53
